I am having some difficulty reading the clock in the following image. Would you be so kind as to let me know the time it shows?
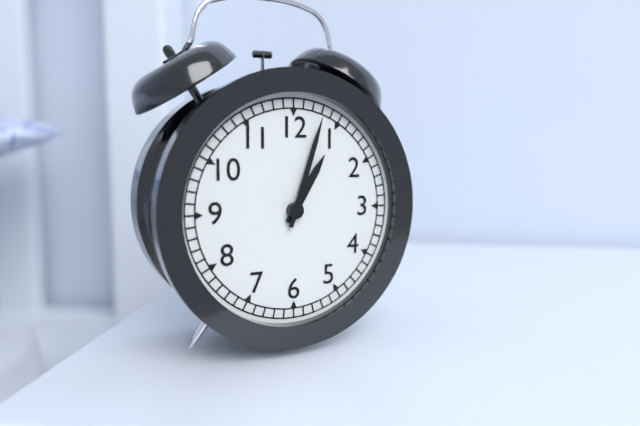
1:03
